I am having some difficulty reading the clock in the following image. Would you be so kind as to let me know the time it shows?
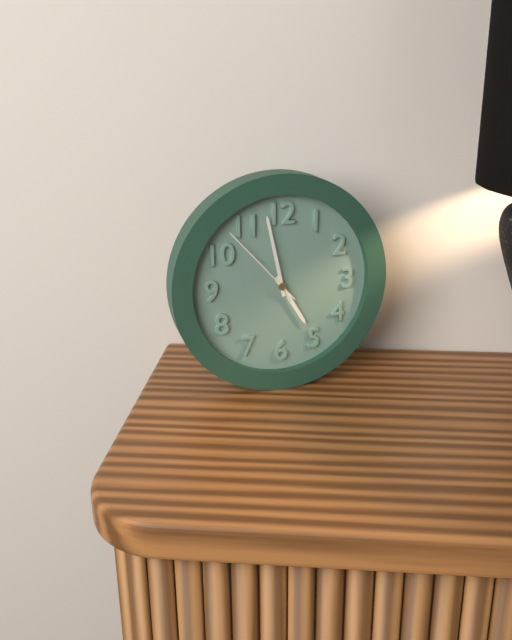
4:58:53
